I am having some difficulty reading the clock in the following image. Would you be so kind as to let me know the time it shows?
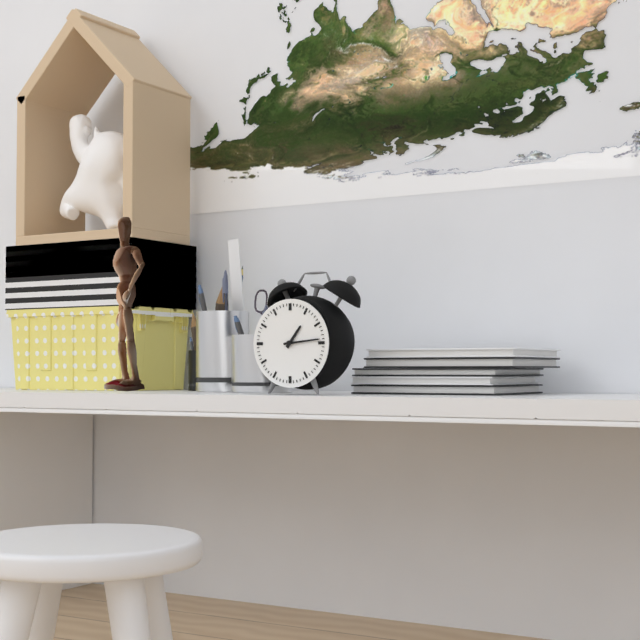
1:14
